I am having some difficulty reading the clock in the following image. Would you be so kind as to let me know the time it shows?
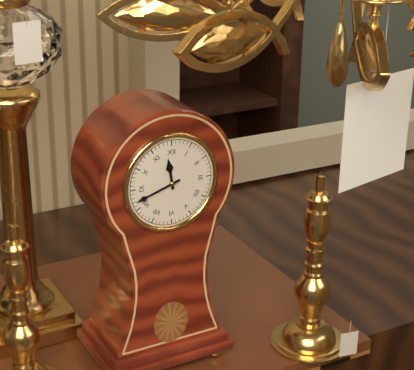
11:42
